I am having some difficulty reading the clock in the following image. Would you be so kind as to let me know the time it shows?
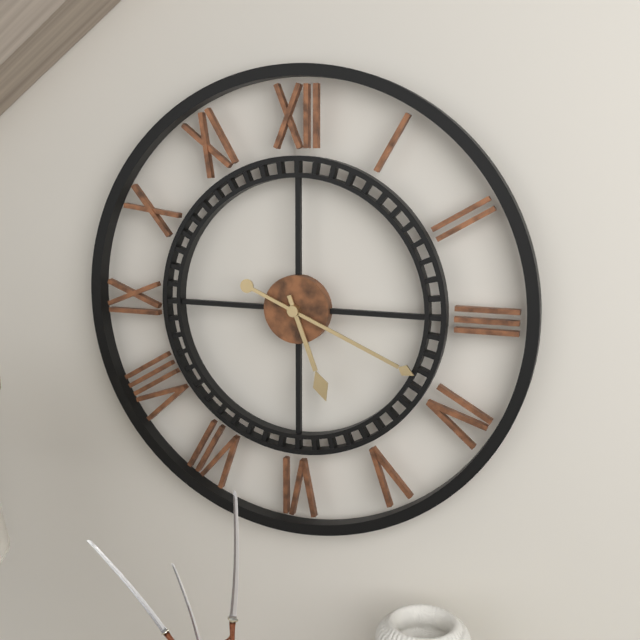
5:19
